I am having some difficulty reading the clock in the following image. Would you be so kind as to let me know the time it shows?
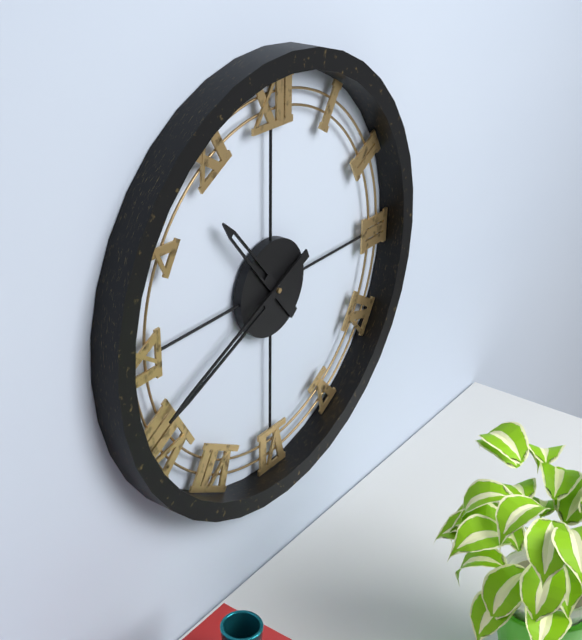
10:41
